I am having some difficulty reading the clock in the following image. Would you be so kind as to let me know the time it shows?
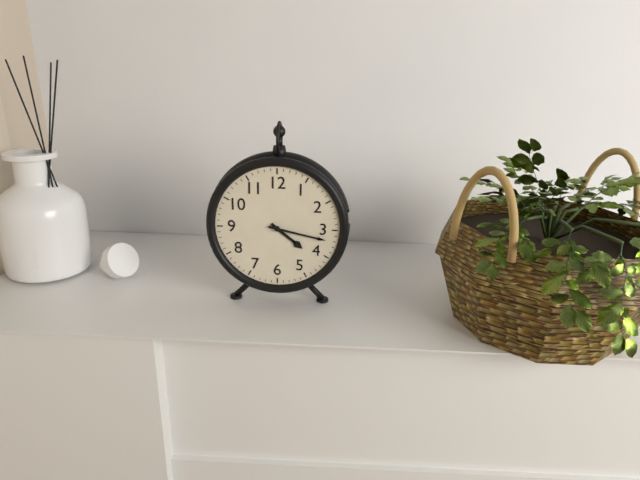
4:17
